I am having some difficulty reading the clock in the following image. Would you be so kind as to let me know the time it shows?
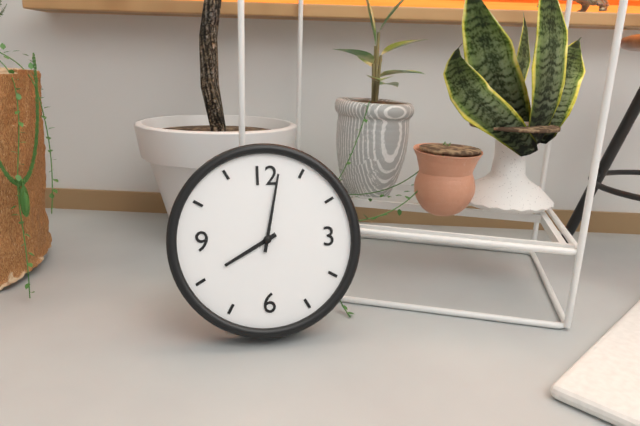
8:02
